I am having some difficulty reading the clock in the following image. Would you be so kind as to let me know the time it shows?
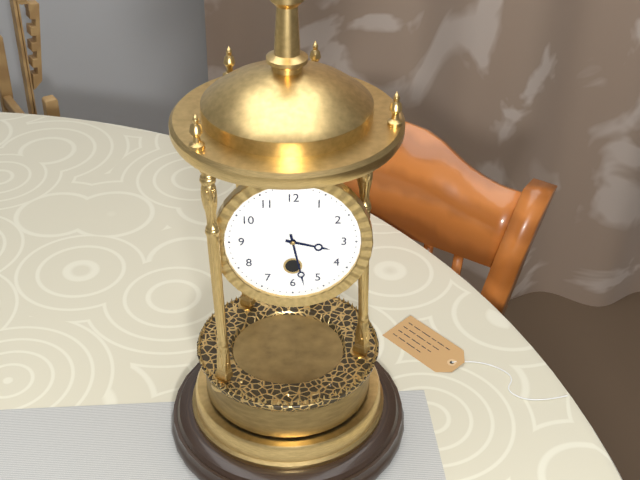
3:28
